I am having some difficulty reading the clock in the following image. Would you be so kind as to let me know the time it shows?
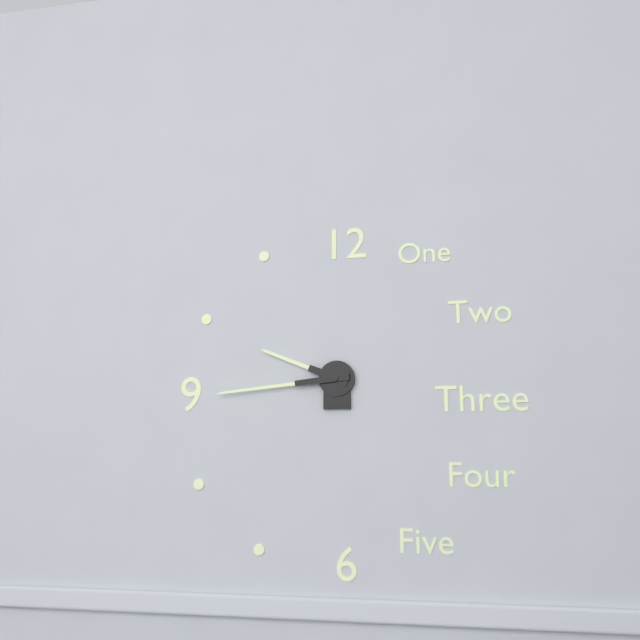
9:44
